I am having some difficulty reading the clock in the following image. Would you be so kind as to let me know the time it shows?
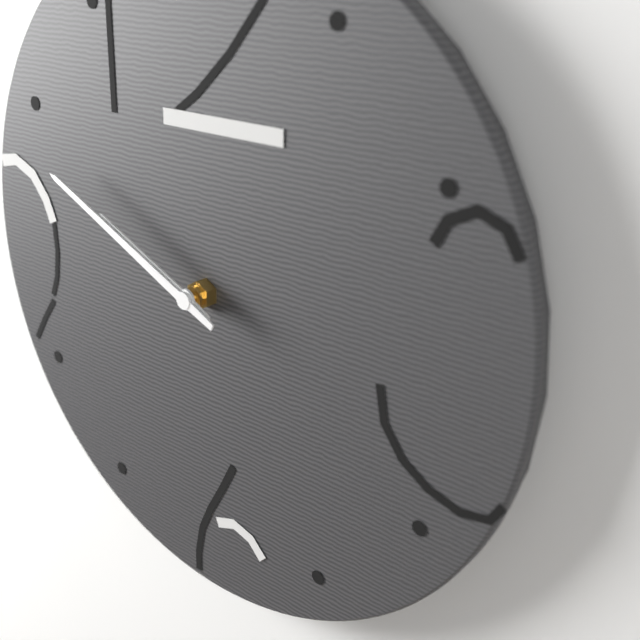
9:49
